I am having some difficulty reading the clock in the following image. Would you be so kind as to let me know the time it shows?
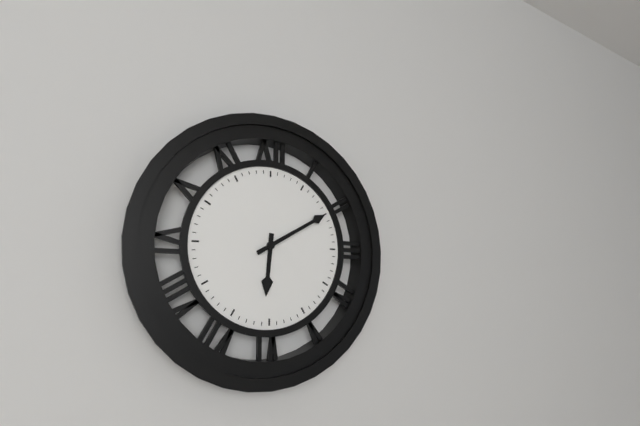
6:10
